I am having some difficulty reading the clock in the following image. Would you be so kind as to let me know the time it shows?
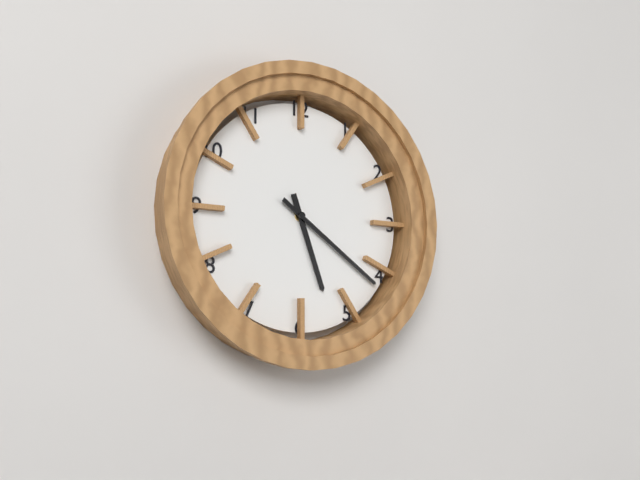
5:21
